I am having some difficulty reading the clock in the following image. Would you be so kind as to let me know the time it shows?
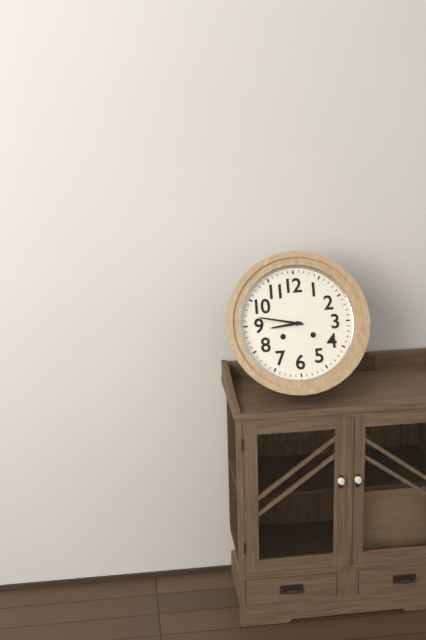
8:47
